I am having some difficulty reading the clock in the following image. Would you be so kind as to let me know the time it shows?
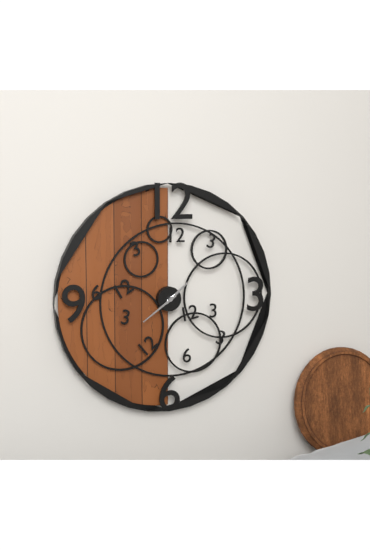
1:39
